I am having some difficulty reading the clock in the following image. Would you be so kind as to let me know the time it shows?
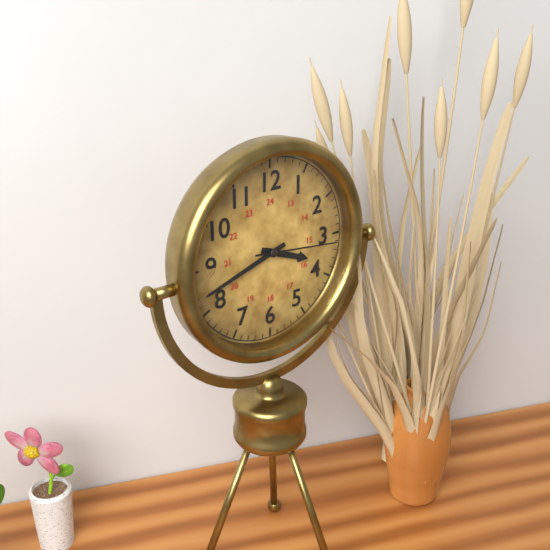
3:42:16
